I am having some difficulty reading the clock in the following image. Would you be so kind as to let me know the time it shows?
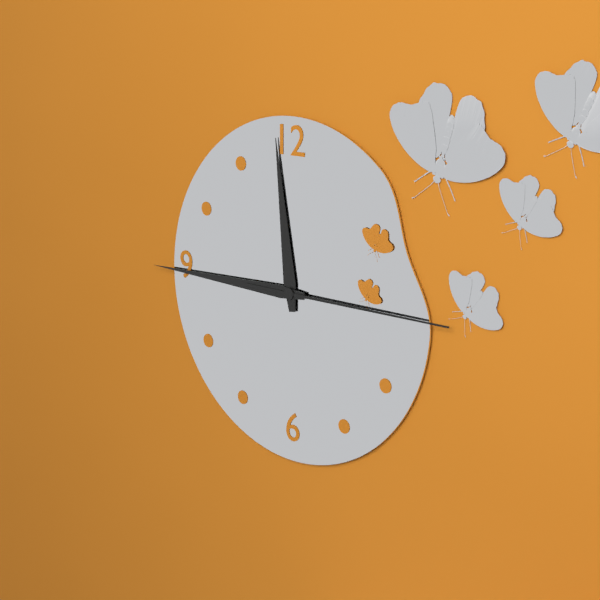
11:45:15
